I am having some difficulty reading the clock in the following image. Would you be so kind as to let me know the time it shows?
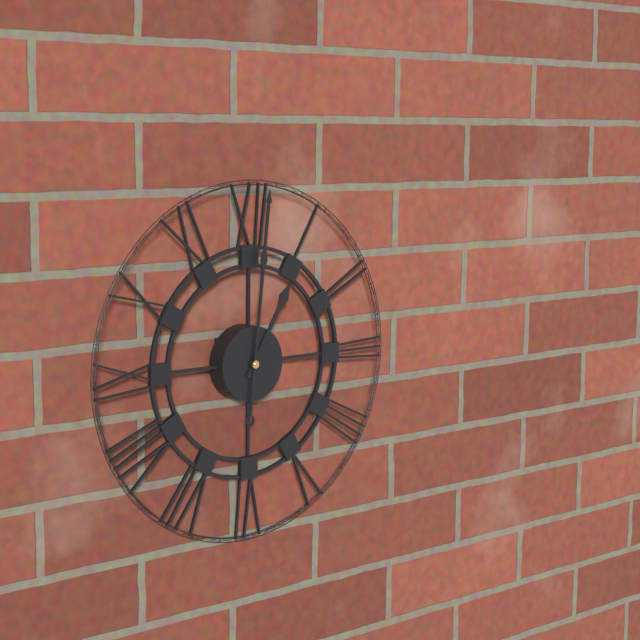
1:01
